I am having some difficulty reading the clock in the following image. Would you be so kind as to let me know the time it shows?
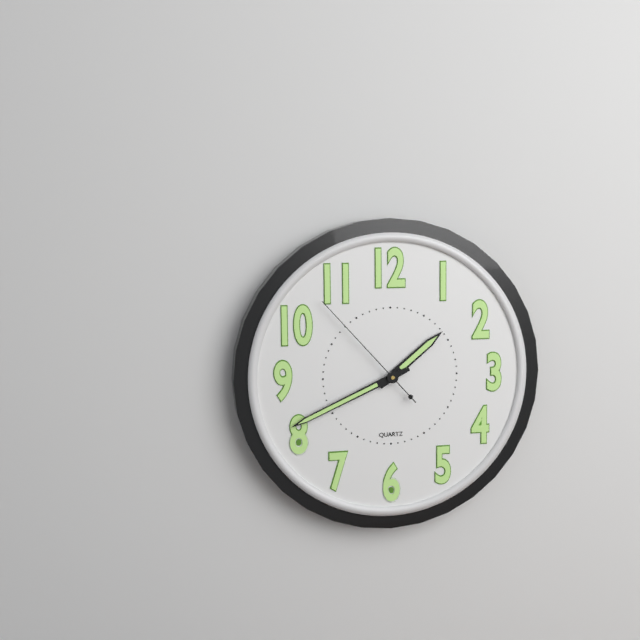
1:41:53
